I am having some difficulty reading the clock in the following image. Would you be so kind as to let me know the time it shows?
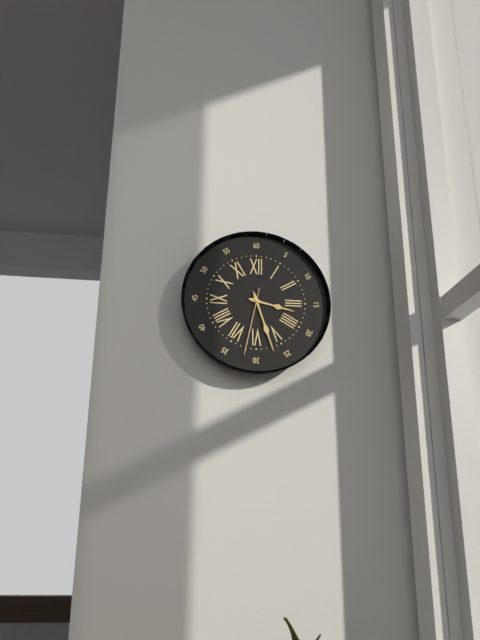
3:27:32
